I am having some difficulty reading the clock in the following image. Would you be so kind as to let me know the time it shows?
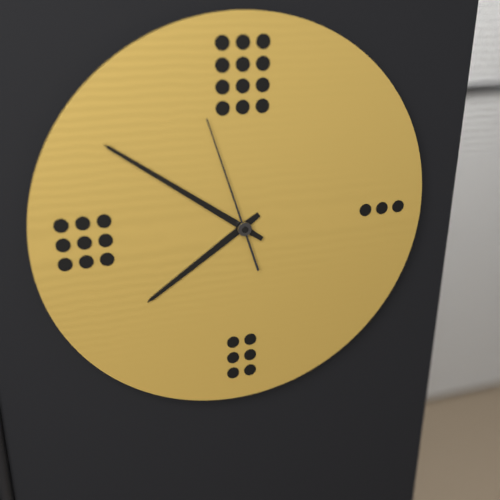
7:51:57
